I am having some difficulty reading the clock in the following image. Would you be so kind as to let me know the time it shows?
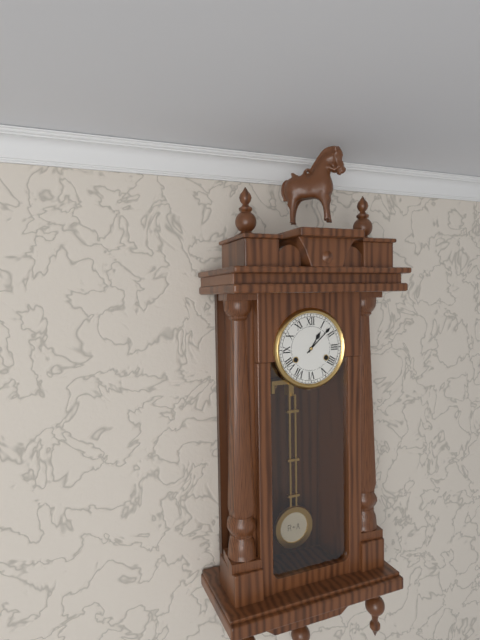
1:08
